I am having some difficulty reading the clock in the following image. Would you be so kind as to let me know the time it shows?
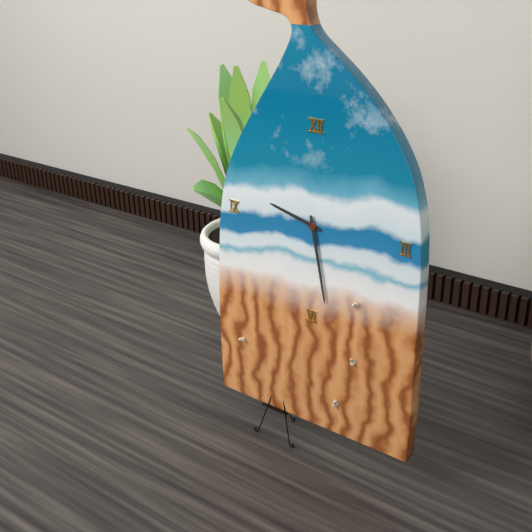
9:28
